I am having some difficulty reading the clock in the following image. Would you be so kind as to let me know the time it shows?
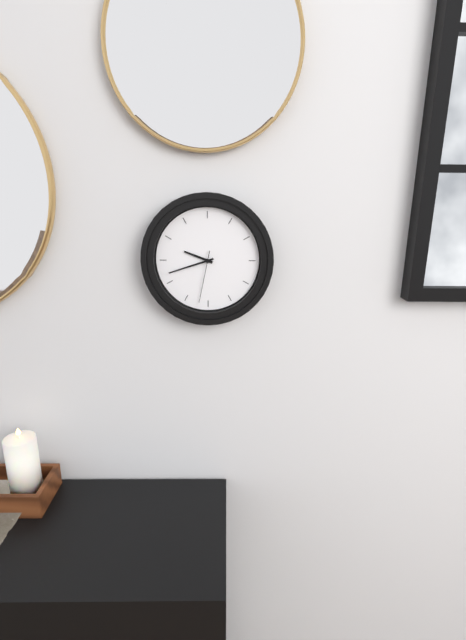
9:42:32
